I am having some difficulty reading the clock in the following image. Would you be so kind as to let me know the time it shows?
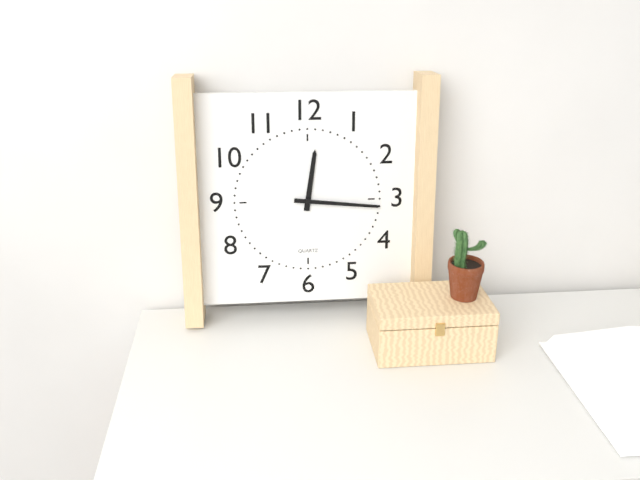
12:16
